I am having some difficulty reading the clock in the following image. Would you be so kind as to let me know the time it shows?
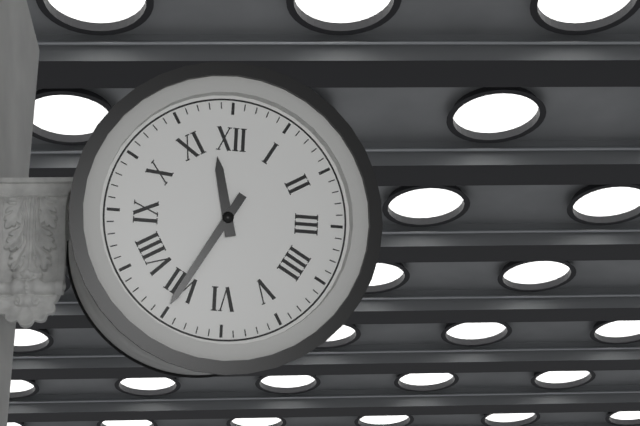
11:35
